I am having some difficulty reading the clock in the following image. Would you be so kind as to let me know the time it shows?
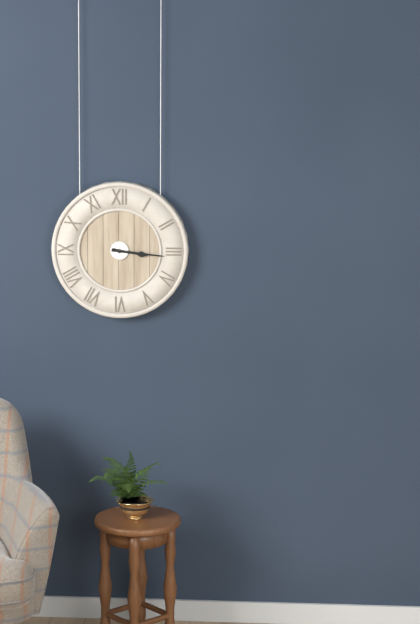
3:16
